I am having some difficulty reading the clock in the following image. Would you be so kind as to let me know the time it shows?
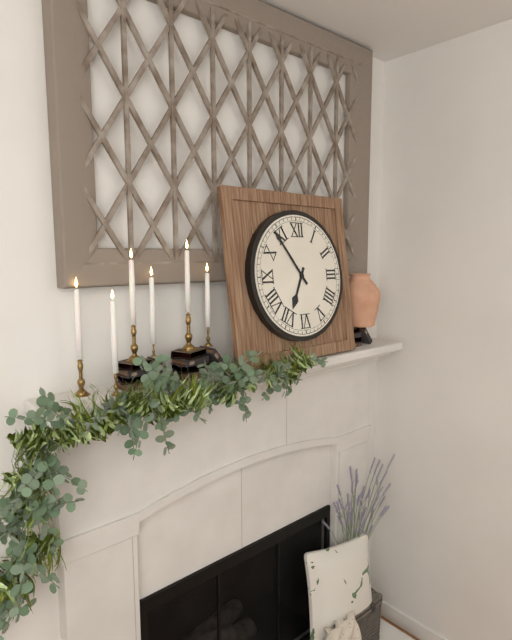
6:54
